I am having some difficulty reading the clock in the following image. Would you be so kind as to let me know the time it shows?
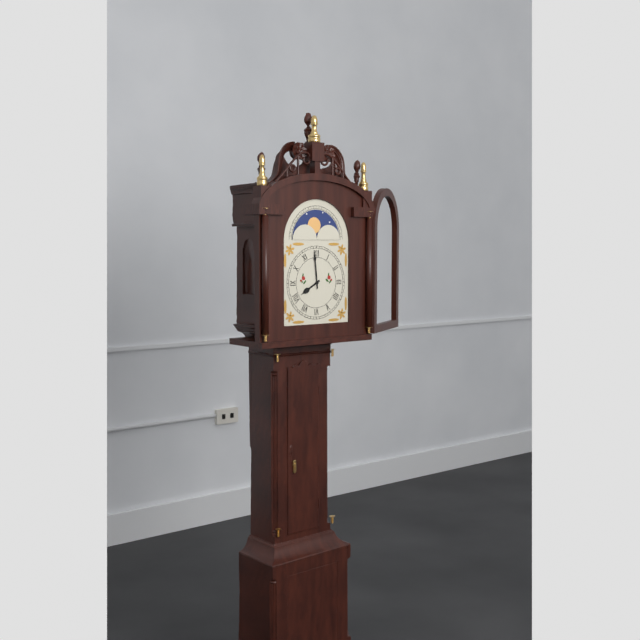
7:59
